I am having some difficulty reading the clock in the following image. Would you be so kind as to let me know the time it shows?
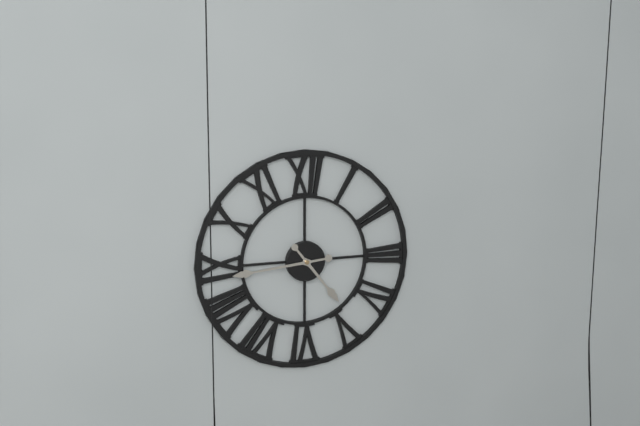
4:44
